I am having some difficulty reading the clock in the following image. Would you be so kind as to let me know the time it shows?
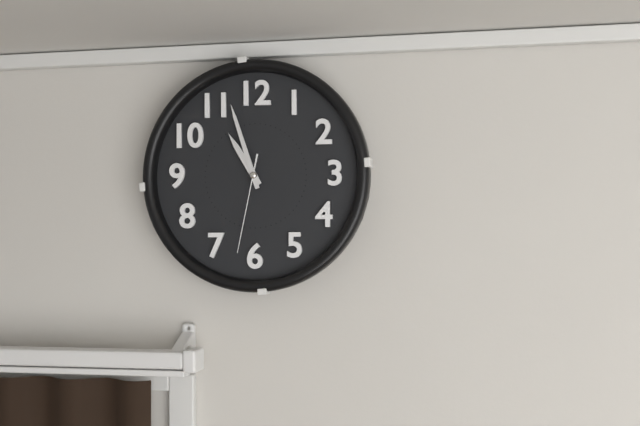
10:57:32
